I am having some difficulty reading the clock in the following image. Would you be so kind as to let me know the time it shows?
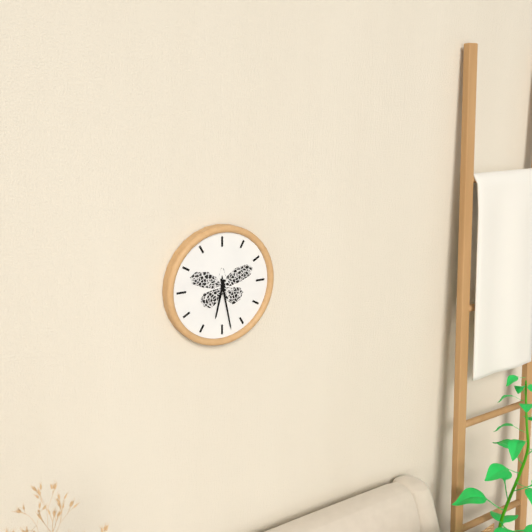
6:28
